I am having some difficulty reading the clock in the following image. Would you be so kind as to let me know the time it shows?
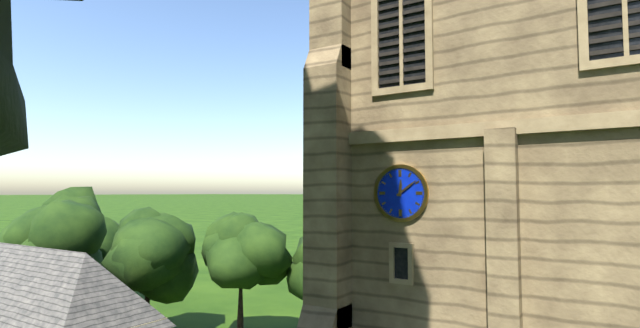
12:09
